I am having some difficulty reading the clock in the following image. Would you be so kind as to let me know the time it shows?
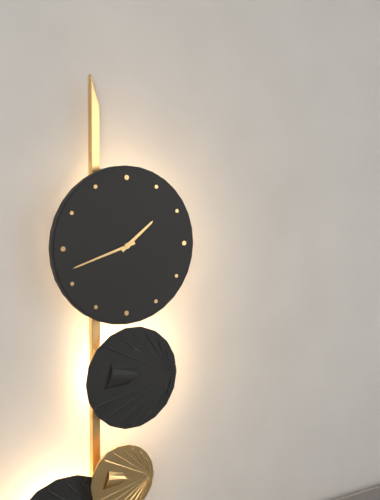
1:42
